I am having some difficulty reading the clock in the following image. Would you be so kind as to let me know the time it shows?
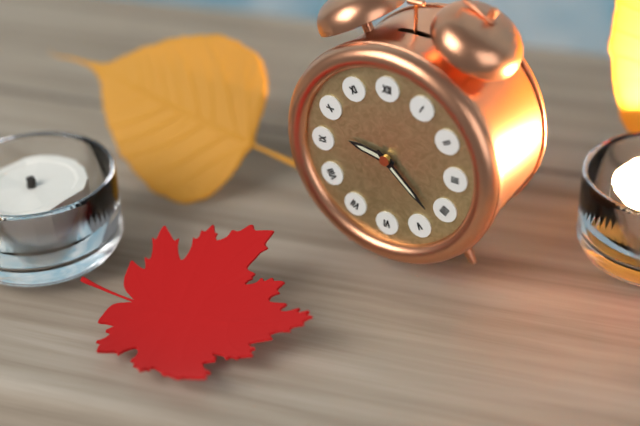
9:22
